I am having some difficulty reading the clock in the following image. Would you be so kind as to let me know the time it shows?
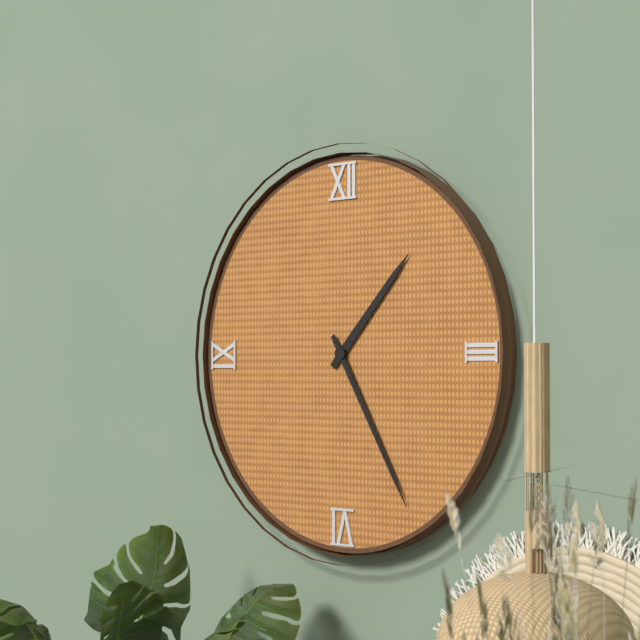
1:25
